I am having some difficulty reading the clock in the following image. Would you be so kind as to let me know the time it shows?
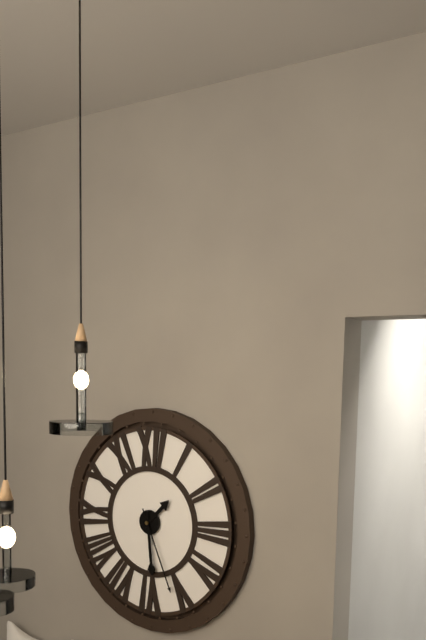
1:29:26
